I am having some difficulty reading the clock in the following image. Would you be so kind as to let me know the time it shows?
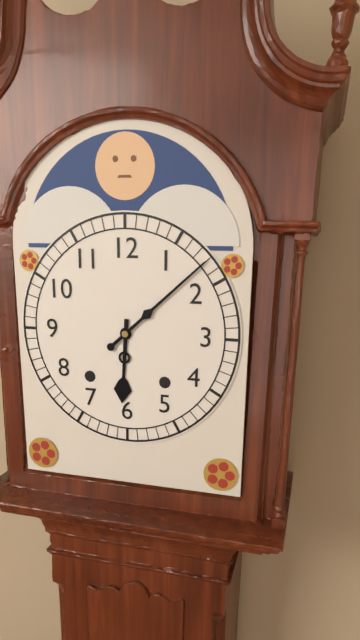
6:08
